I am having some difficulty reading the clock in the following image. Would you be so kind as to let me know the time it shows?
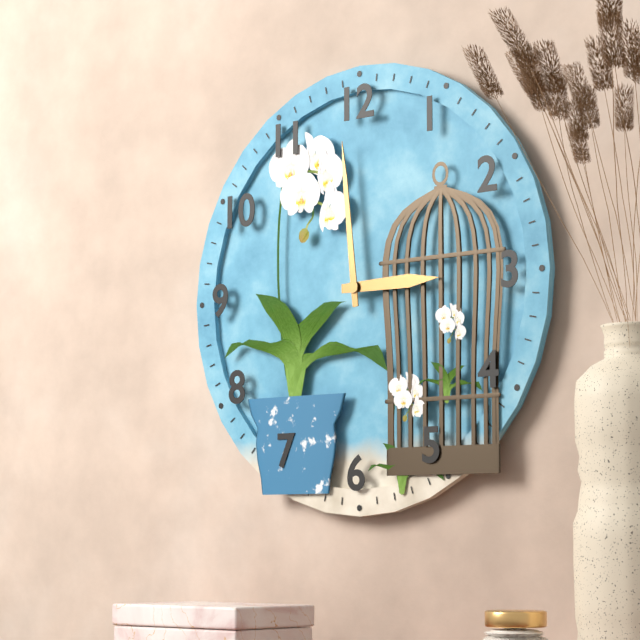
2:59
